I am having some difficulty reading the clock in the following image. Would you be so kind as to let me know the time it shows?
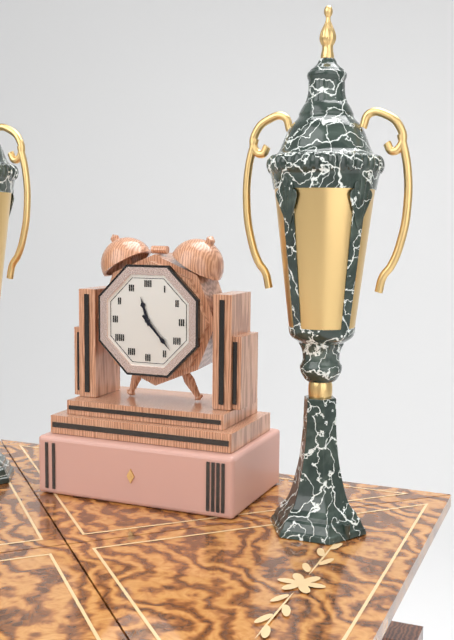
11:23
